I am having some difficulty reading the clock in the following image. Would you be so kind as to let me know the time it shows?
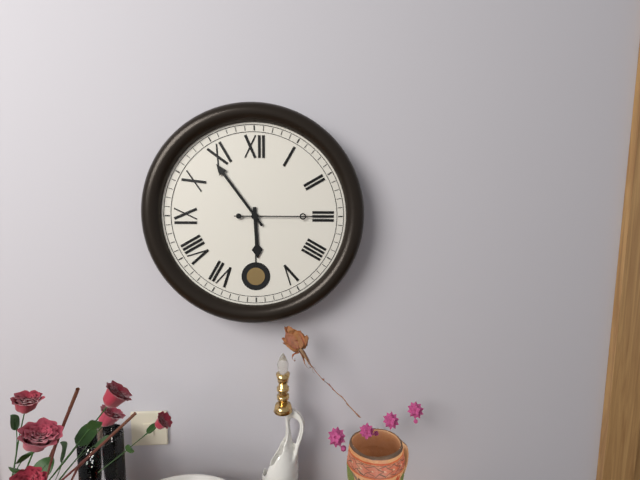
5:54:15
